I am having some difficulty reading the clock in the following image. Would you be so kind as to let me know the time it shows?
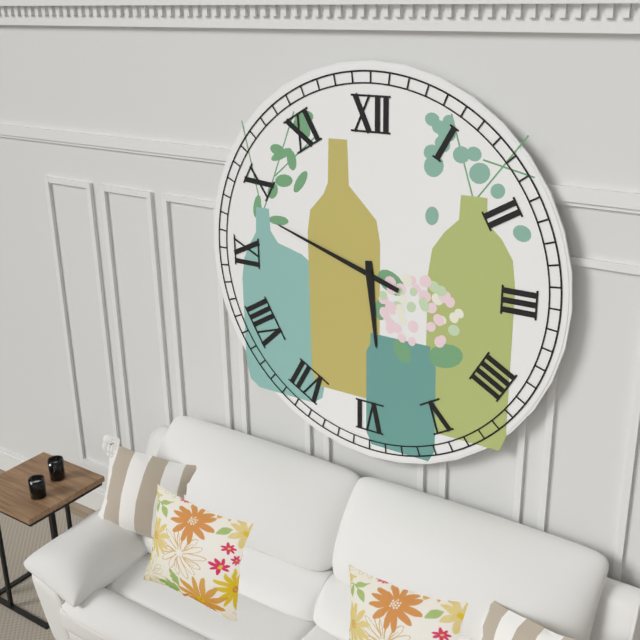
5:48
